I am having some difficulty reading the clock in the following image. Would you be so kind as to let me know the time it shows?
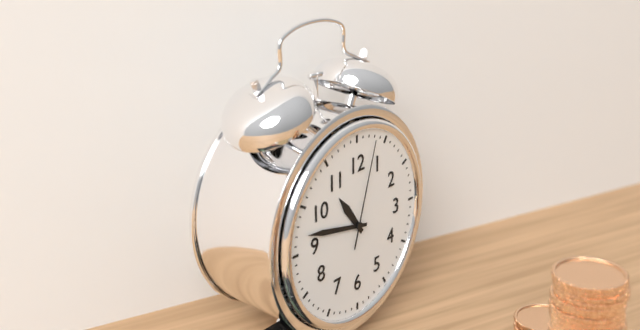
10:47:03
